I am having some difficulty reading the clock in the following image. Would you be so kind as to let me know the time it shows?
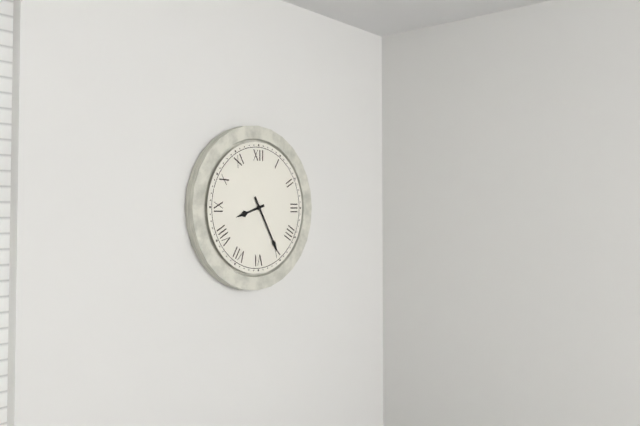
8:25
